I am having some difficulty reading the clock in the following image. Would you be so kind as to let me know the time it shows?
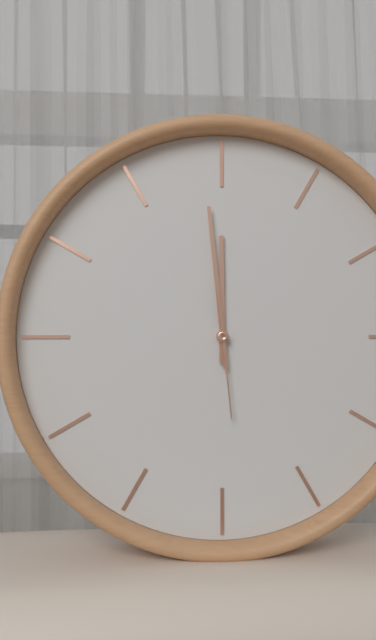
11:59:29
